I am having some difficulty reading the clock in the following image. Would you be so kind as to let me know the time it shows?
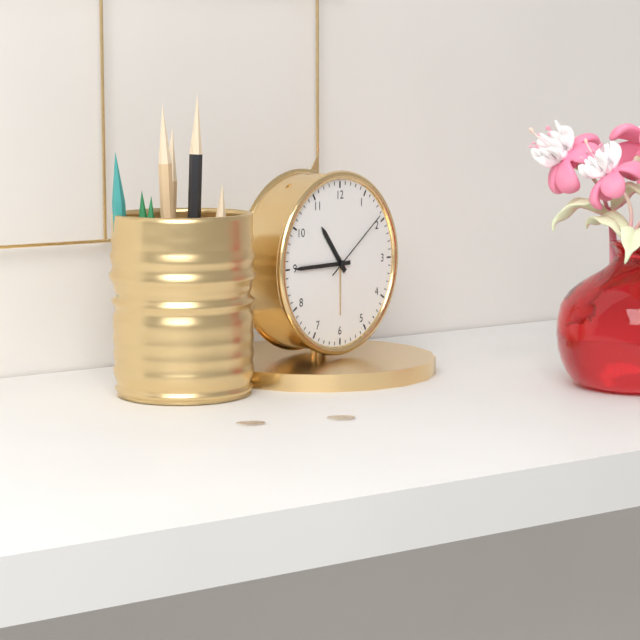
10:45:09
